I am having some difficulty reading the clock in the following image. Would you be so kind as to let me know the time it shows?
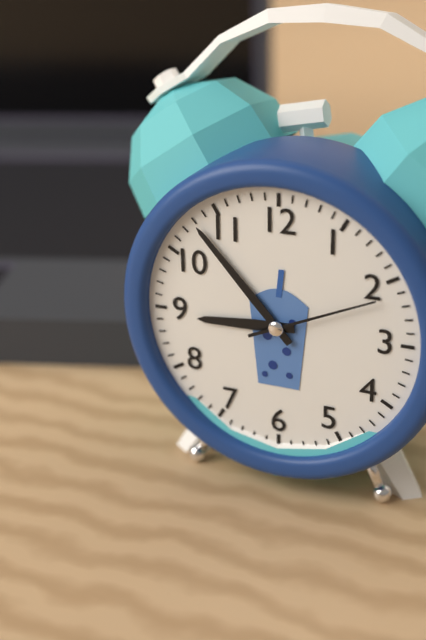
8:53:11
